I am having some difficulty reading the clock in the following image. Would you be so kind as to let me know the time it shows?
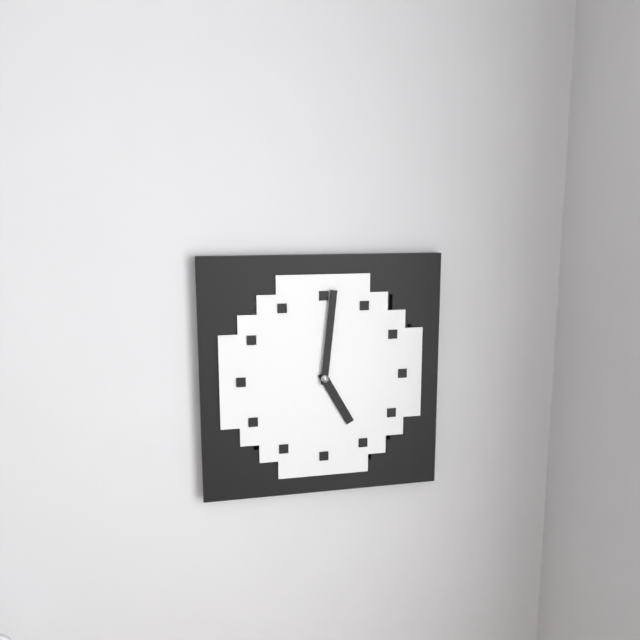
5:01
